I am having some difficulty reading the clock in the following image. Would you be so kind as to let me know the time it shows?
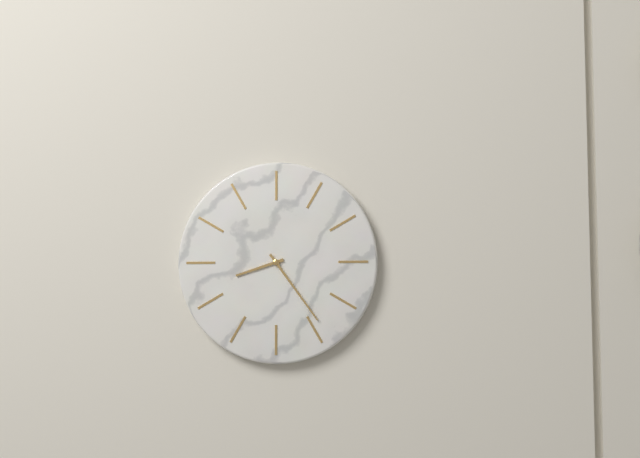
8:24
